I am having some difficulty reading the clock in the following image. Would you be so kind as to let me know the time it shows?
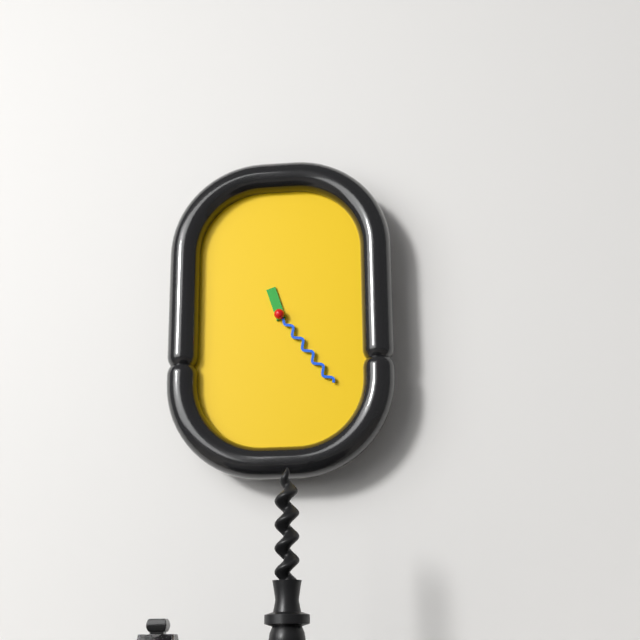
11:24
